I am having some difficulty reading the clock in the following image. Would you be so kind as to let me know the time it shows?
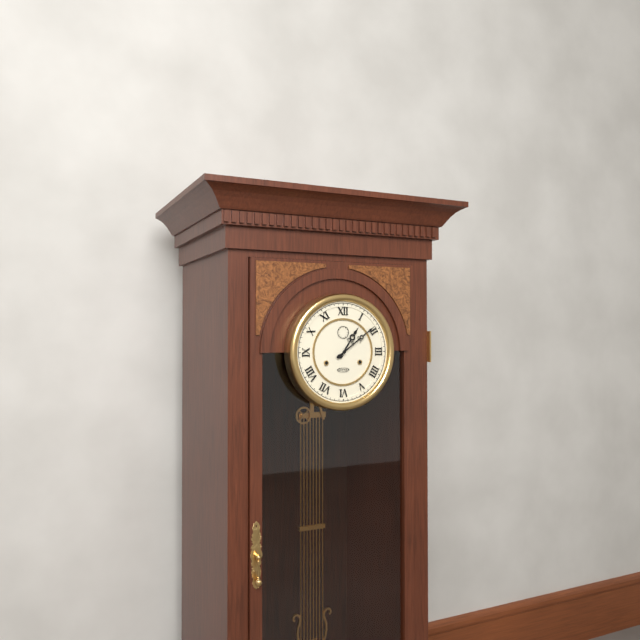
1:09
